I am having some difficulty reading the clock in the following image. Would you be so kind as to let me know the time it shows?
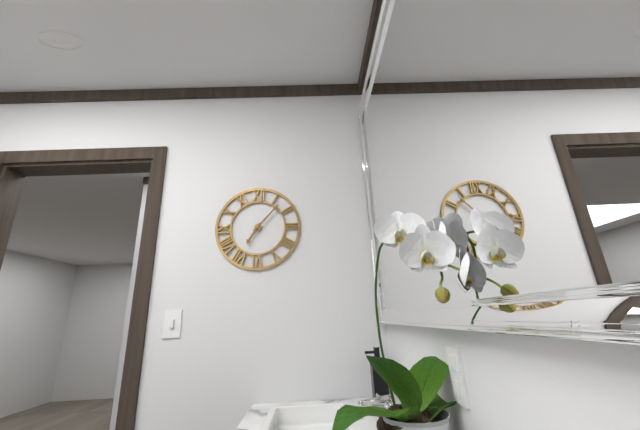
7:07
